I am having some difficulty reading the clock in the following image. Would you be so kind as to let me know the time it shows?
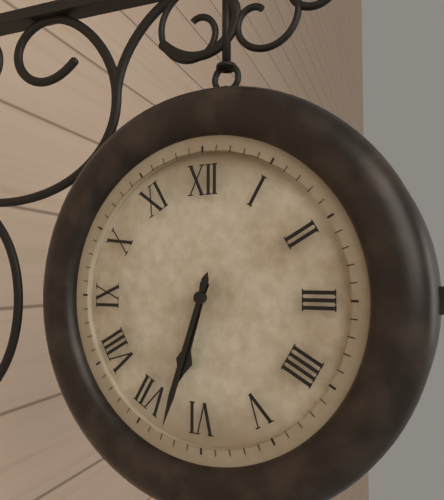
6:33
